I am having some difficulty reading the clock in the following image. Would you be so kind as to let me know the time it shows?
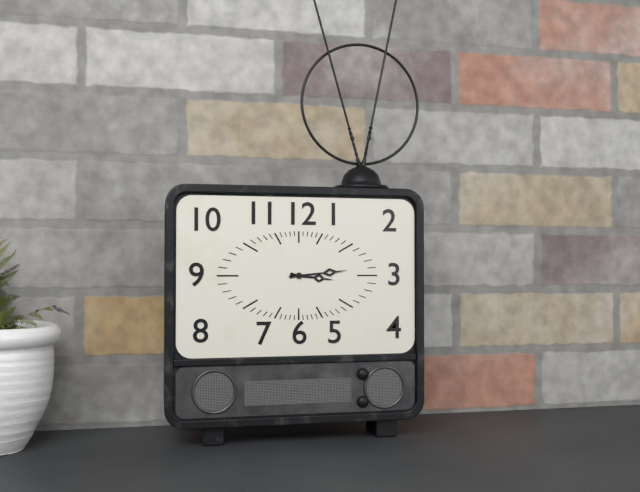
3:14
